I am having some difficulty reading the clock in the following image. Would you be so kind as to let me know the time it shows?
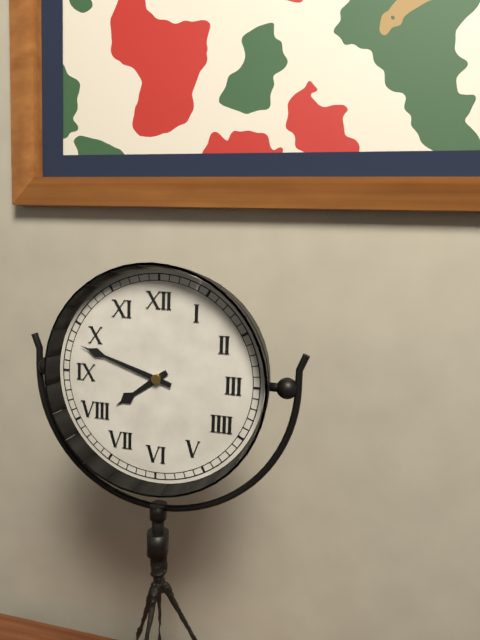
7:48
